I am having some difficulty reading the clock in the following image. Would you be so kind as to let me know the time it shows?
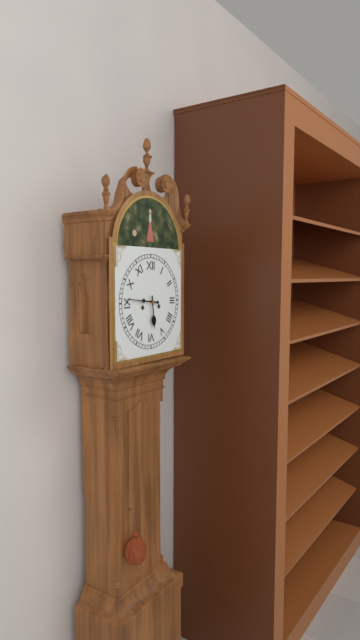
5:46
